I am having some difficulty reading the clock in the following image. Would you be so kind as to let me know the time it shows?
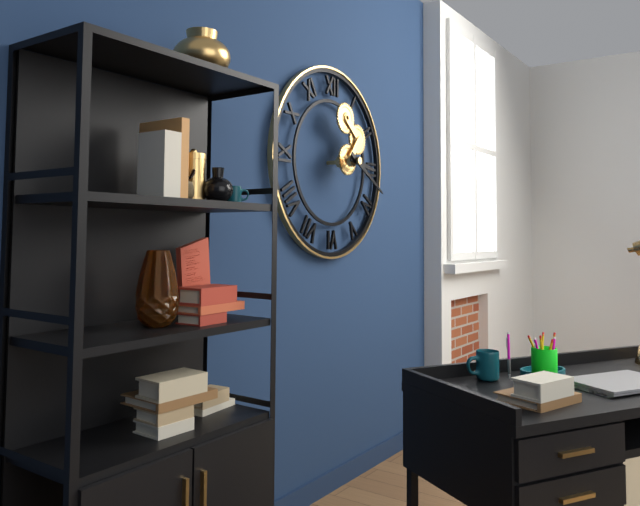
3:20
